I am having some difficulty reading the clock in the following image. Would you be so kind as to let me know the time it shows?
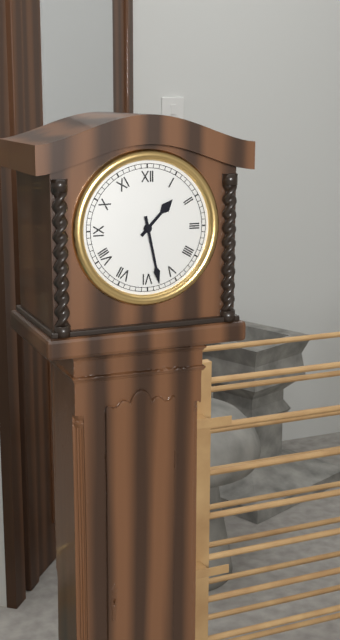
1:28
